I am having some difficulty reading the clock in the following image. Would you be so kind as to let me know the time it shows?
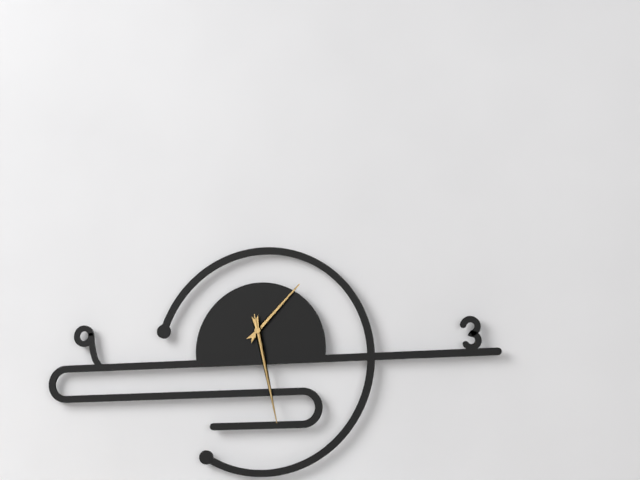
1:28:28
